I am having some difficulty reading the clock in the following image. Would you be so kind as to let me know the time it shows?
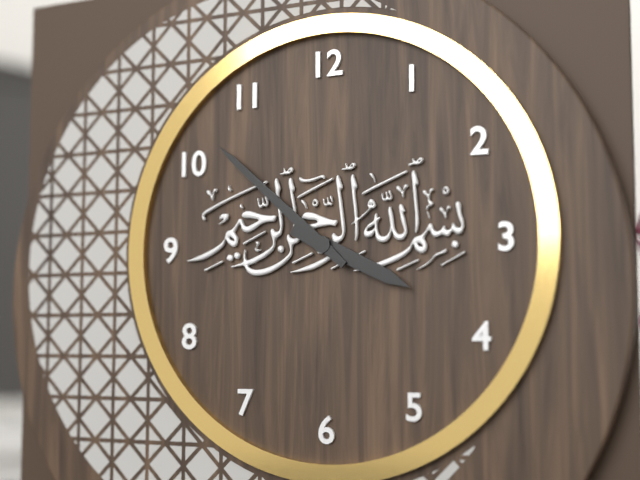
3:52
